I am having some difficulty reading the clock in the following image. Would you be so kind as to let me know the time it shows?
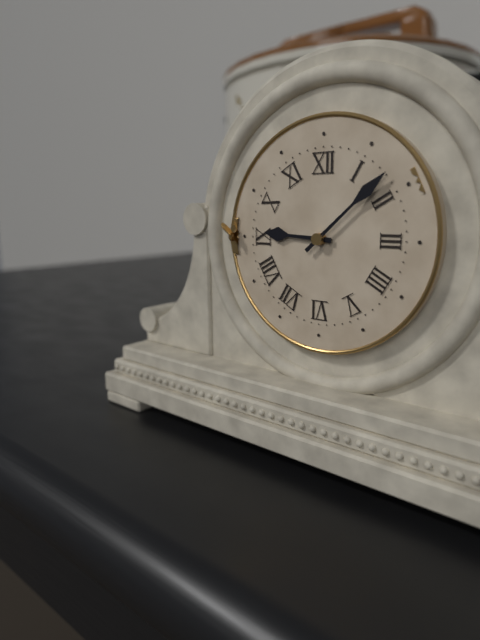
9:08
